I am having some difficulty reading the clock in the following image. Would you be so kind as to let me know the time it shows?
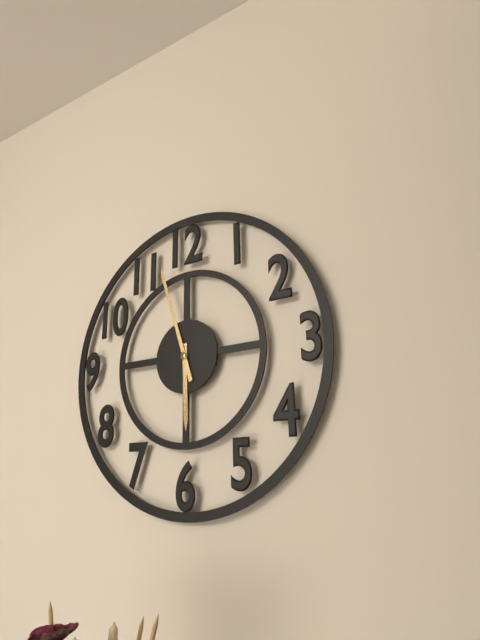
5:57
